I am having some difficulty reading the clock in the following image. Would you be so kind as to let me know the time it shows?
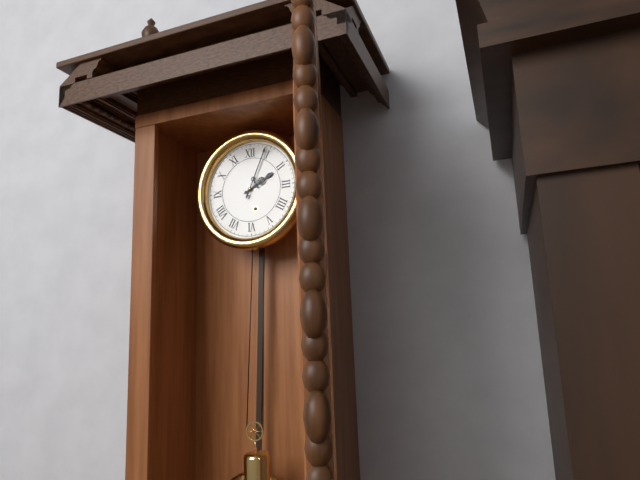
2:04
